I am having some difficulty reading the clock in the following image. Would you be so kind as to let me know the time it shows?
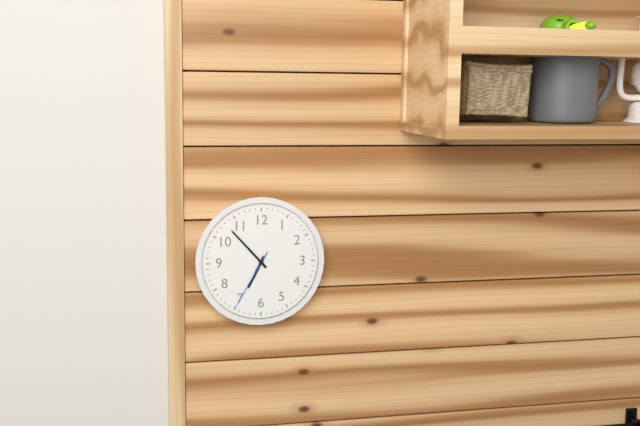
6:53:35
